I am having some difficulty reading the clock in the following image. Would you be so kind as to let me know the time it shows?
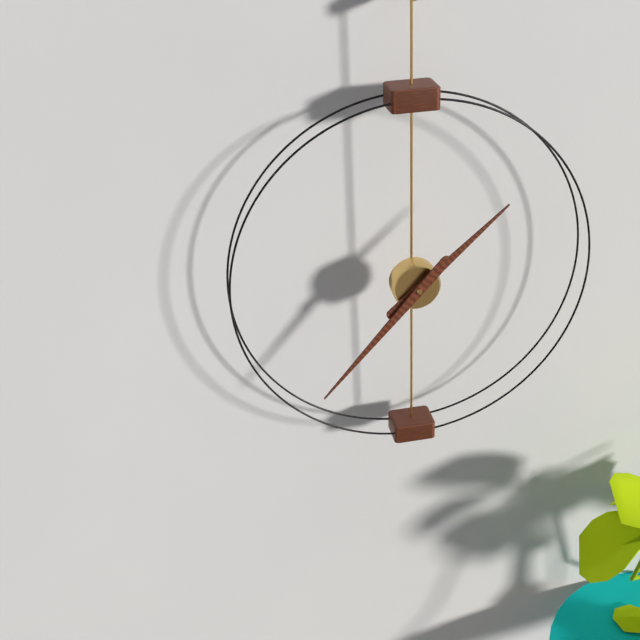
1:37
